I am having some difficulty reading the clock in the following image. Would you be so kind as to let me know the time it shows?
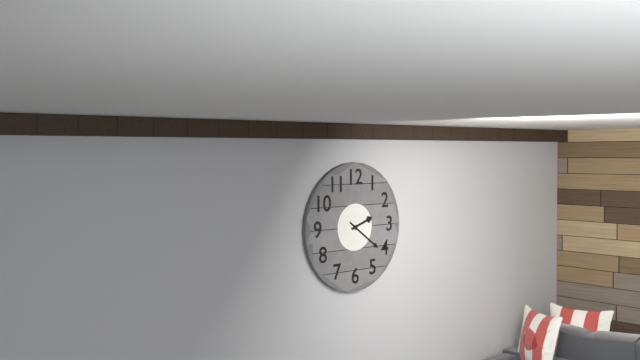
2:21
